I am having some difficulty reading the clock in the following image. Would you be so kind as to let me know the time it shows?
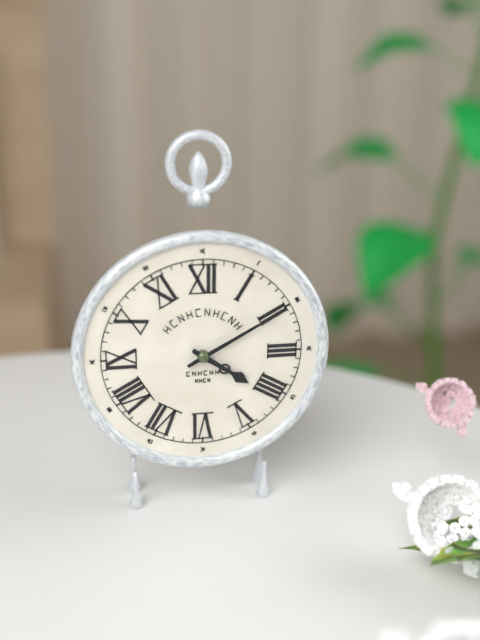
4:10
